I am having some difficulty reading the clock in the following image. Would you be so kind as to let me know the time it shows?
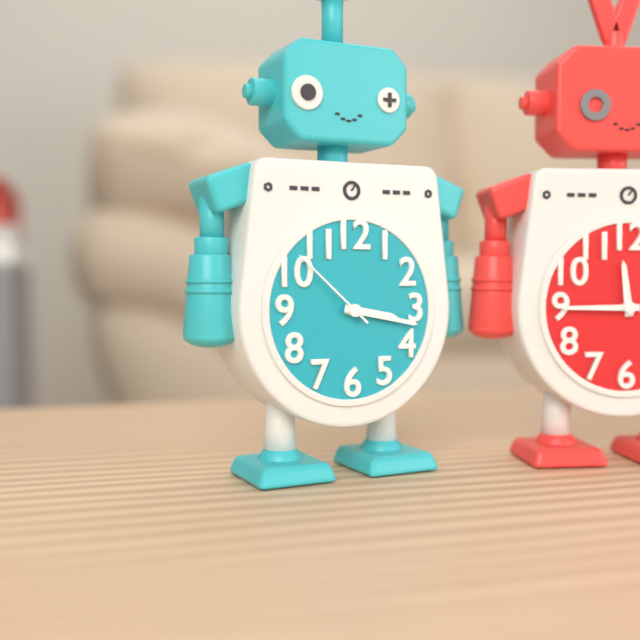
3:17:52
